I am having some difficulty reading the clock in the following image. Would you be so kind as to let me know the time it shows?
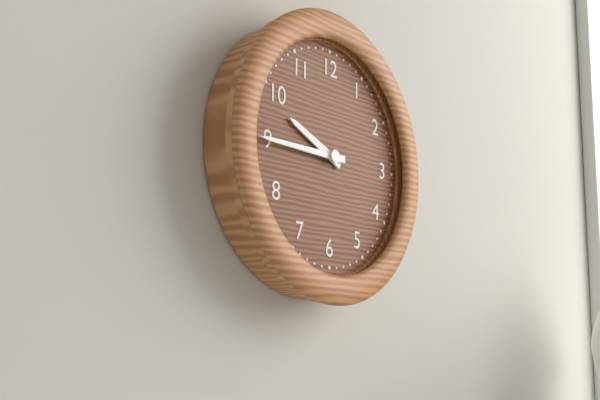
9:45
